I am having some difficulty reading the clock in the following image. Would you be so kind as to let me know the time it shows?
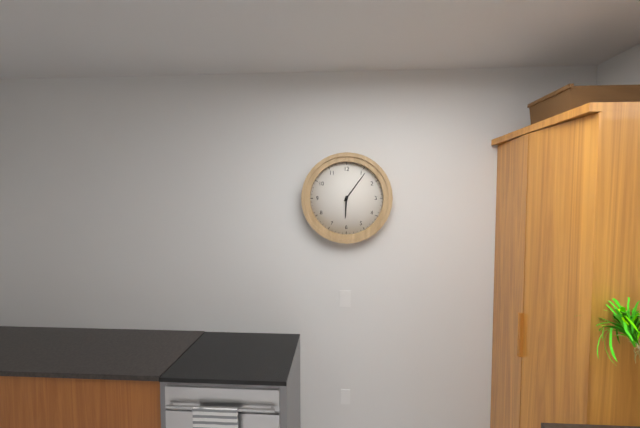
6:06
